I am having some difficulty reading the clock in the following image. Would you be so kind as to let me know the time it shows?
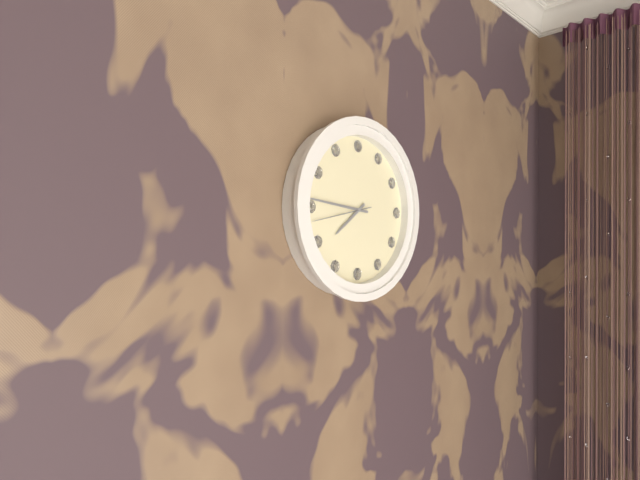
7:46:43
